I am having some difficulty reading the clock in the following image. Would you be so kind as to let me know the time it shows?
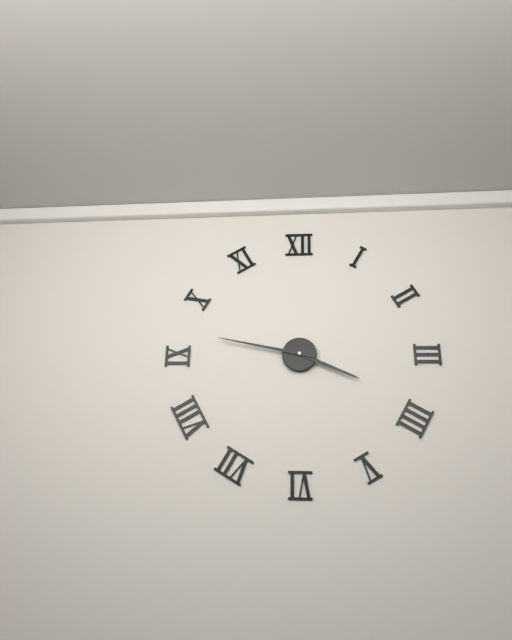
3:47
